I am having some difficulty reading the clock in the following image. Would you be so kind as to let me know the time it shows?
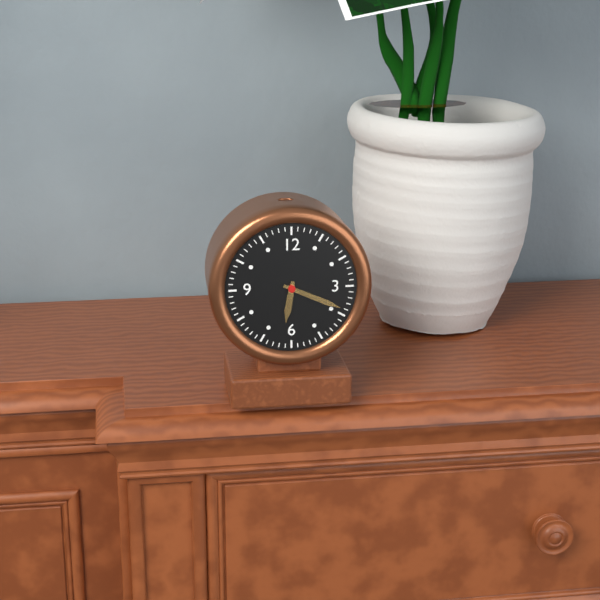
6:19
